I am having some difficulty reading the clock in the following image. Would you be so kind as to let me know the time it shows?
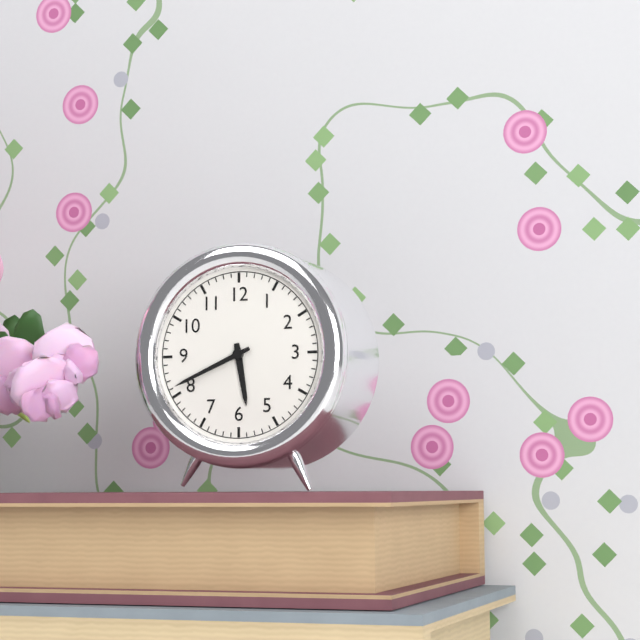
5:41
